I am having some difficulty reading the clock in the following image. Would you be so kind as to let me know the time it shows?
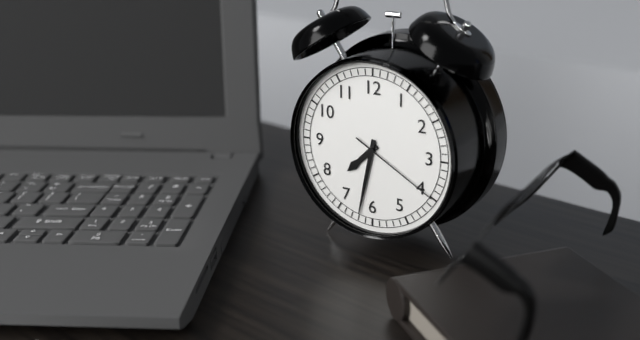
7:32:20
